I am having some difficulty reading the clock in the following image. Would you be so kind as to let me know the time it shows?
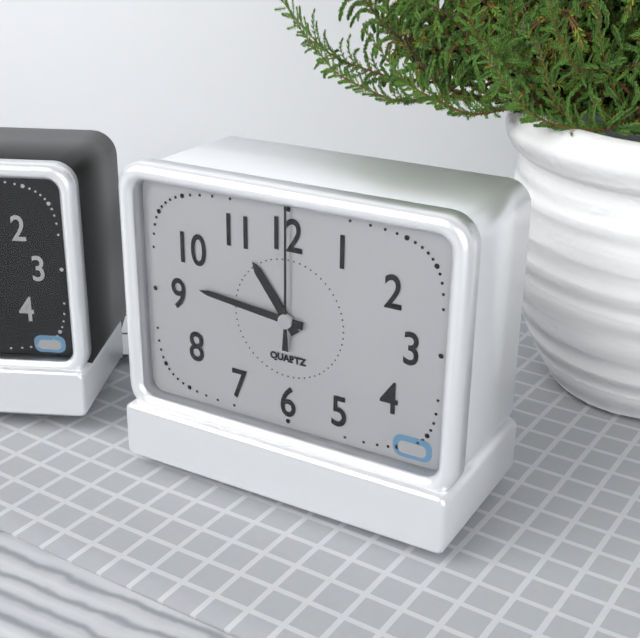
10:46:00
